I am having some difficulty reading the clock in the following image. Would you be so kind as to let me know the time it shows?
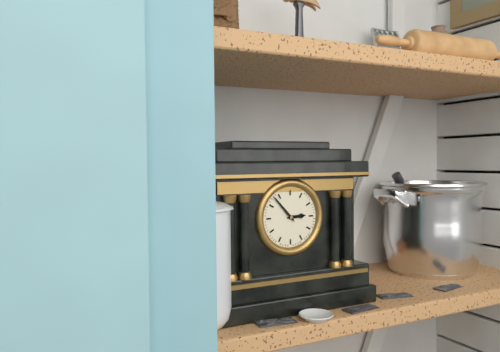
2:53
